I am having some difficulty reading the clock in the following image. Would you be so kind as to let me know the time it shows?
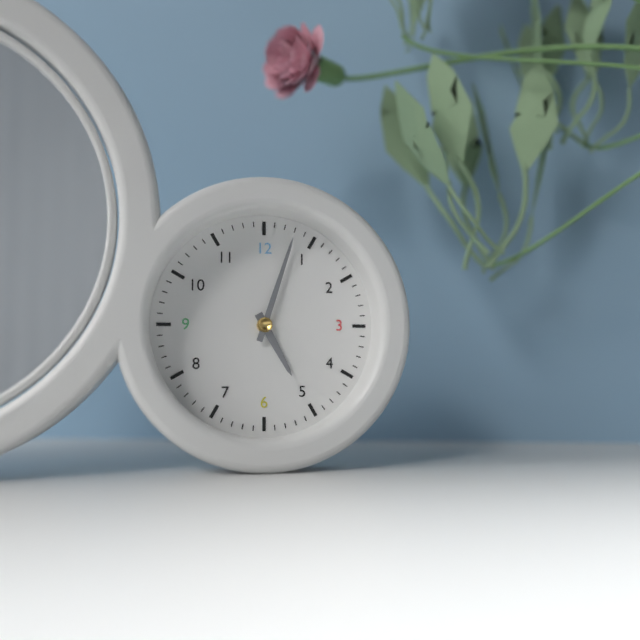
5:03
